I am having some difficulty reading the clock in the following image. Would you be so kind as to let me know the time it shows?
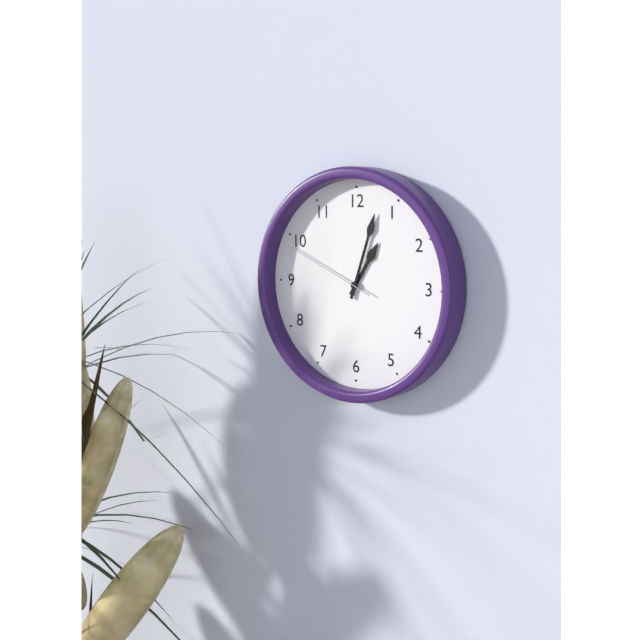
1:03:49
